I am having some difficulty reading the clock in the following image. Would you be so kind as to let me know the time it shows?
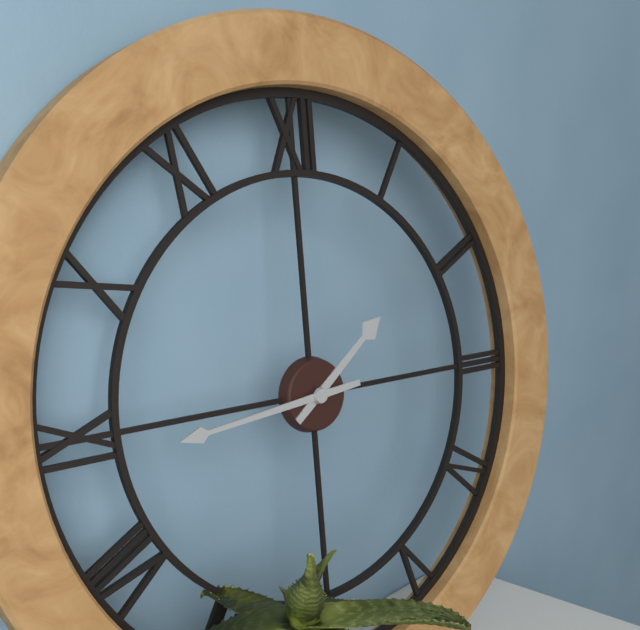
1:44
